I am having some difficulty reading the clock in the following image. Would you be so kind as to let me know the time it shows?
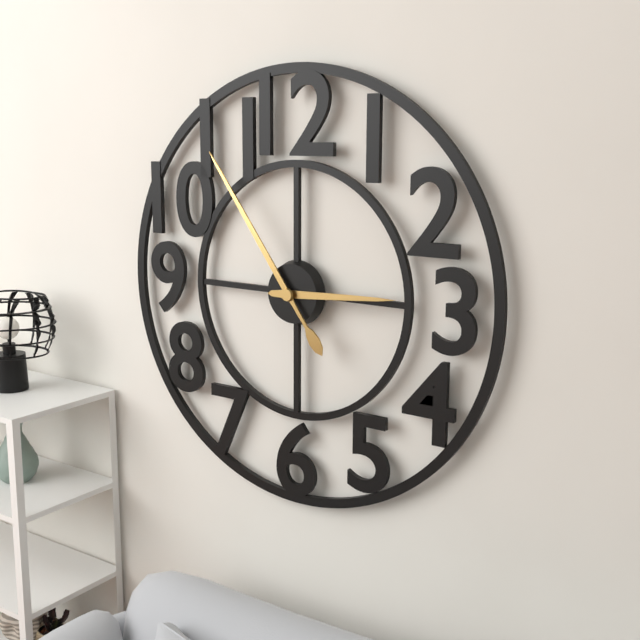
2:54
